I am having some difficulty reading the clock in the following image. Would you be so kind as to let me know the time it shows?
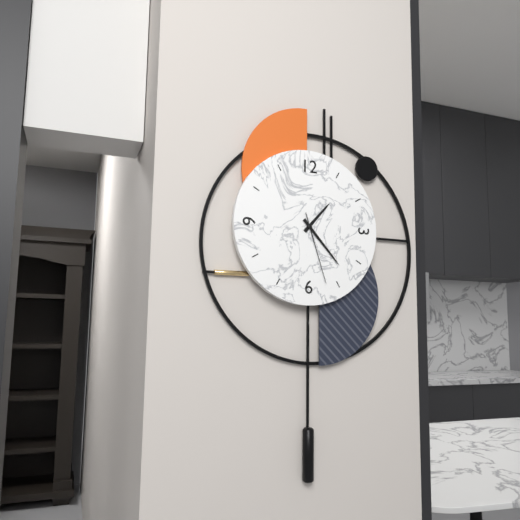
1:23:27
